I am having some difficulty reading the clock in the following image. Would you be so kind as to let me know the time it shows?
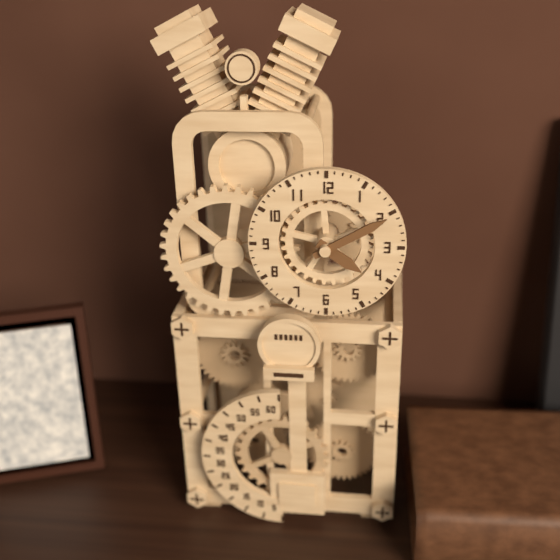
4:10
